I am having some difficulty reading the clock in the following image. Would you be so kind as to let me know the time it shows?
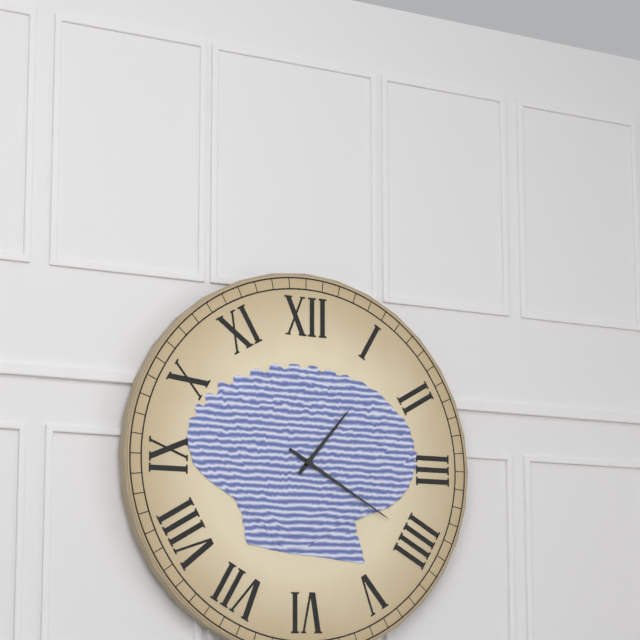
1:20
